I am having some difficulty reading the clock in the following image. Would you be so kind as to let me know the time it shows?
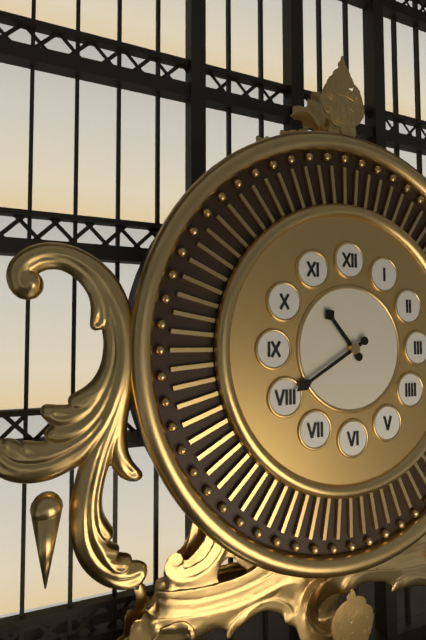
10:40
